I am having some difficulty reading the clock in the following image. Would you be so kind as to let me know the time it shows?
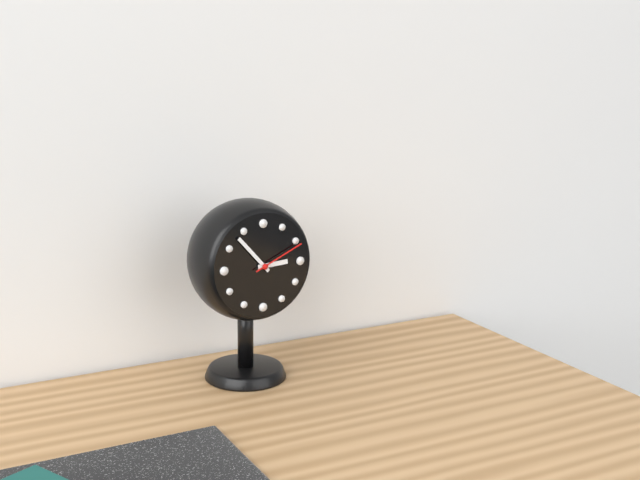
2:53:11
